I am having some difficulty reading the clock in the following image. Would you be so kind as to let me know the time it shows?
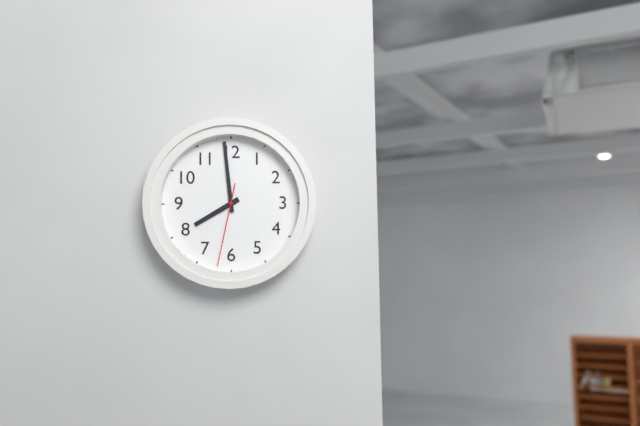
7:59:32
